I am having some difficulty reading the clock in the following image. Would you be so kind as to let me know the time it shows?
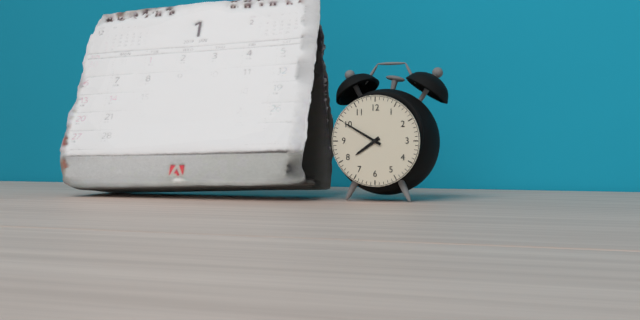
7:50
